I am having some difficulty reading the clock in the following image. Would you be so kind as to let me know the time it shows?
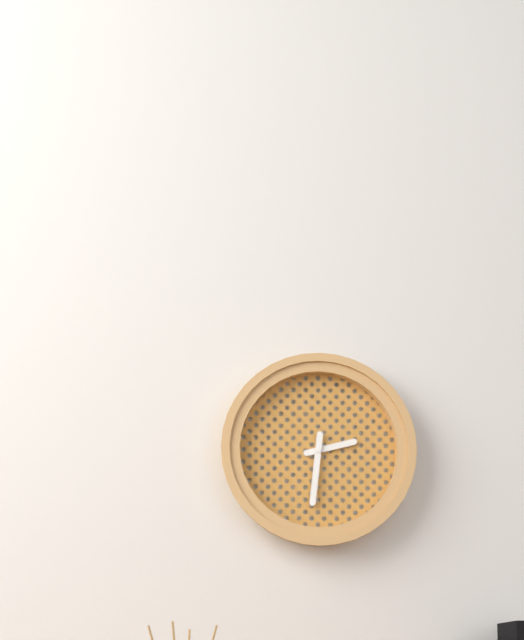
2:31
